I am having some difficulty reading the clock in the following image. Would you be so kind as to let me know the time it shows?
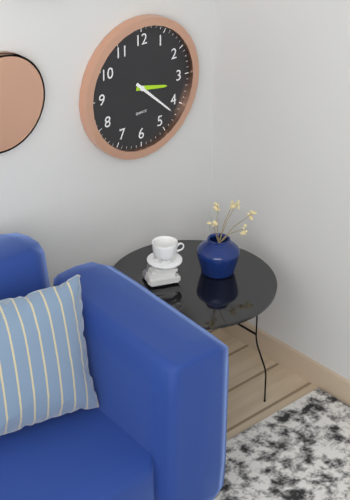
3:22
